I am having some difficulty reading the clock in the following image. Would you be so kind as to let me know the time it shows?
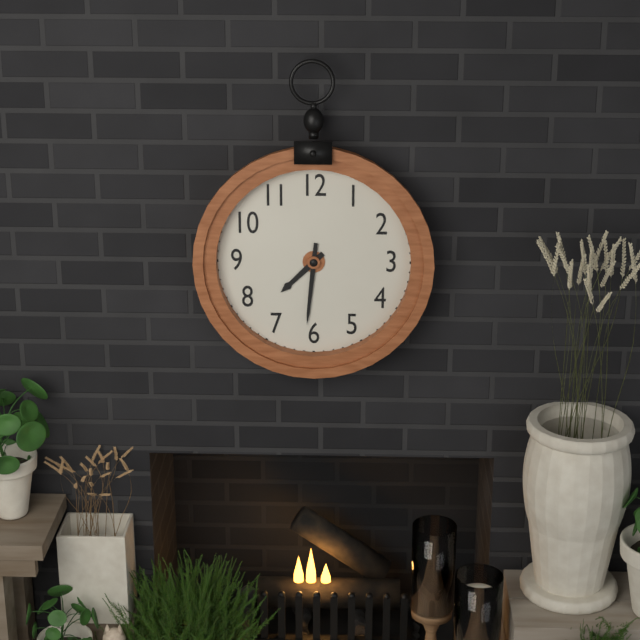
7:31
